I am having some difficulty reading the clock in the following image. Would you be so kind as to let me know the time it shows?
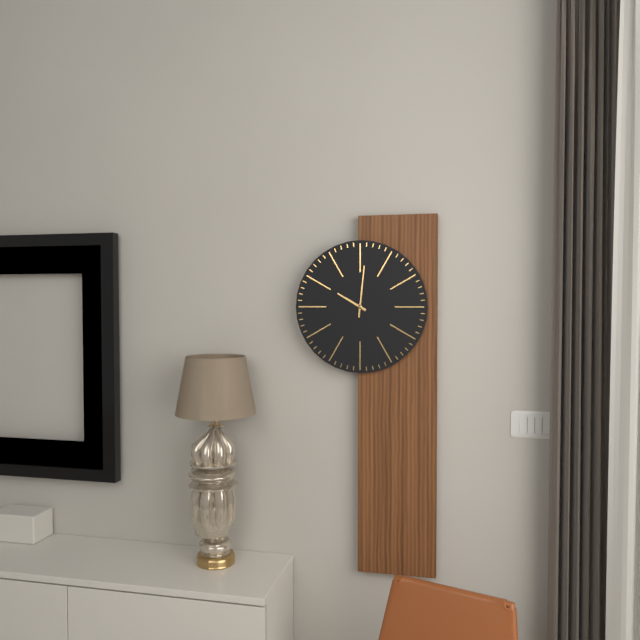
10:01
